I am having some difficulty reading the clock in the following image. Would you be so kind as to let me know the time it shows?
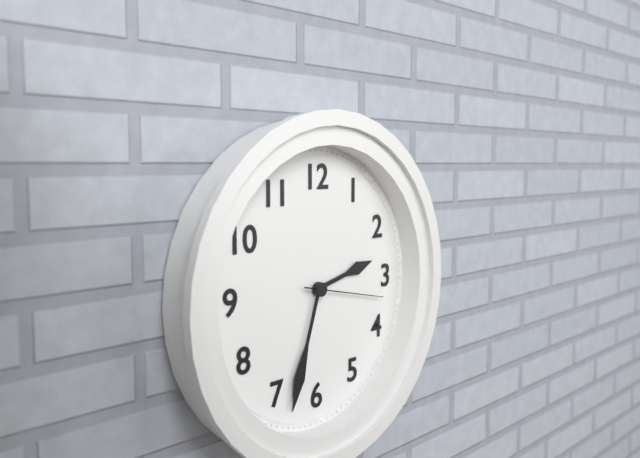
2:33:17
